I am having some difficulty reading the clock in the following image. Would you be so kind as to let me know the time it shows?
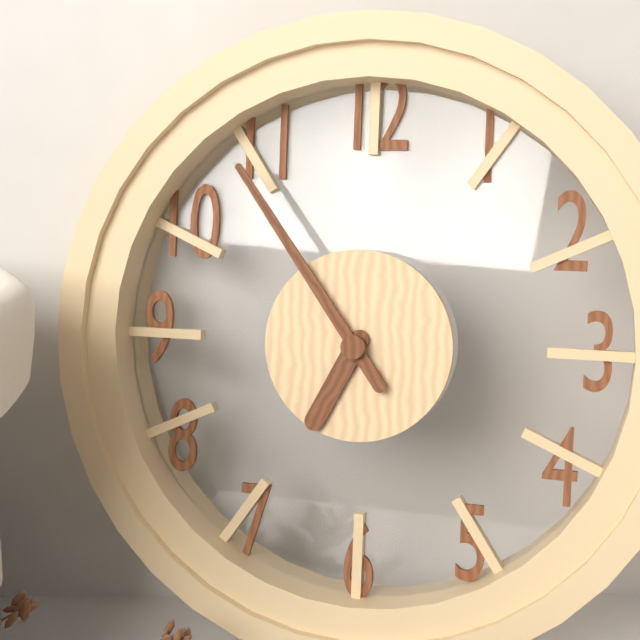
6:54
